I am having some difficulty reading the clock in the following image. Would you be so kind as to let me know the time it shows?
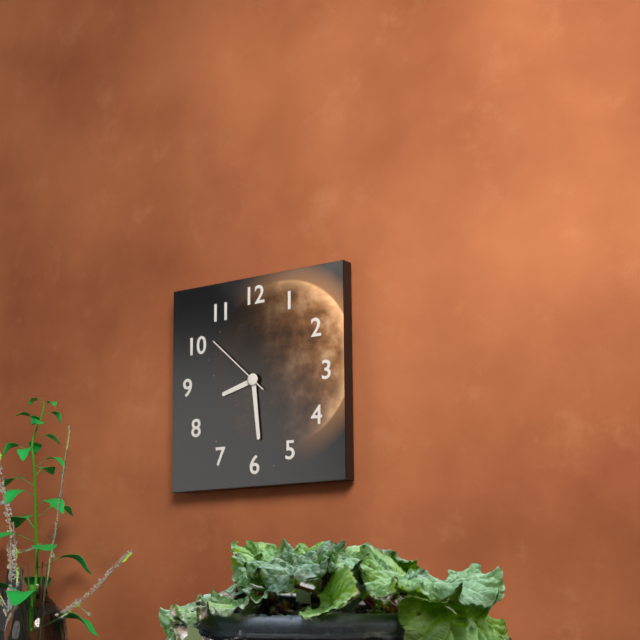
8:29:52
